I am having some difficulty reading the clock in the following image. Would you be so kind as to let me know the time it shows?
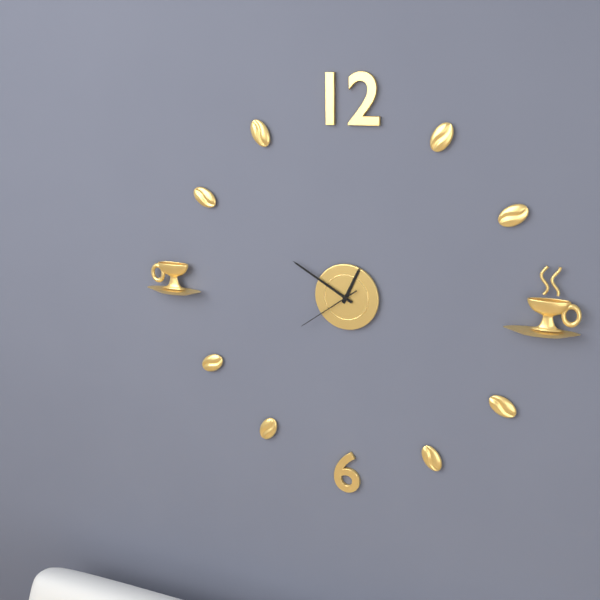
12:50:39
